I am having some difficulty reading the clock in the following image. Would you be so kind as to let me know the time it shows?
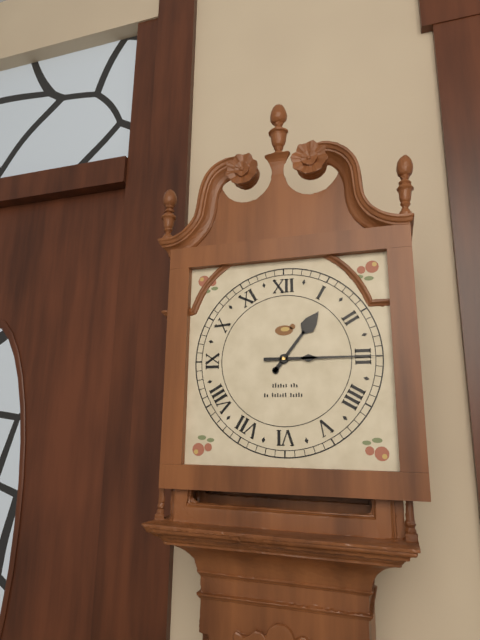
1:15
